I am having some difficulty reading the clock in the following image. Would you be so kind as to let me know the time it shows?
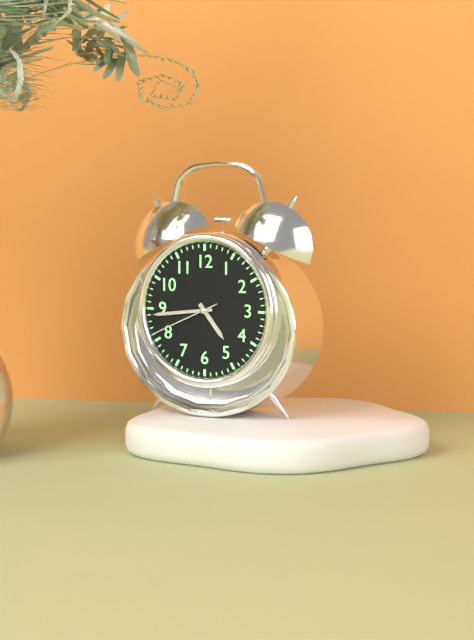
4:44:41
